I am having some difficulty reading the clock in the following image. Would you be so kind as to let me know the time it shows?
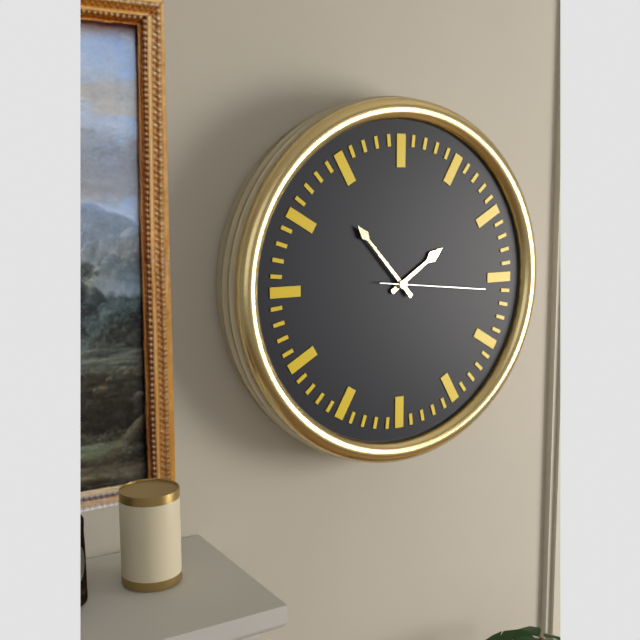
1:53:16
